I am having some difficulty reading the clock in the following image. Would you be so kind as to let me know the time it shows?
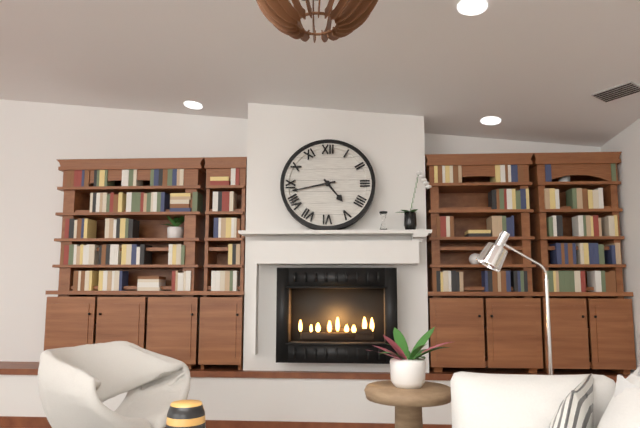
4:43
